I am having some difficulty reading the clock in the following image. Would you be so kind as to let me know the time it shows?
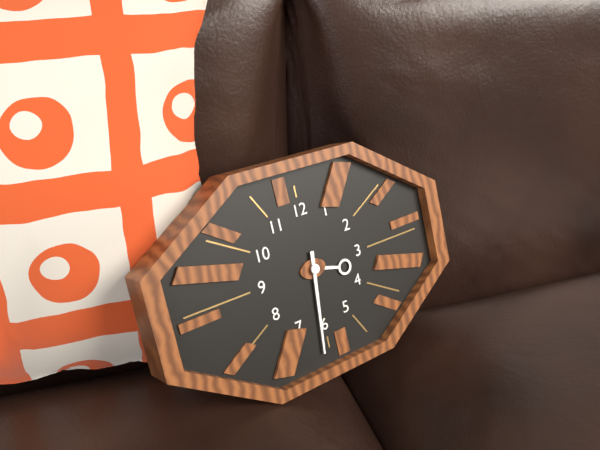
3:31
